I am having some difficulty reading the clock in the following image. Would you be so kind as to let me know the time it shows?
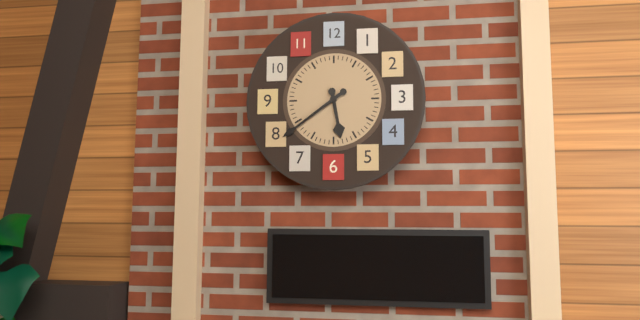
5:39
